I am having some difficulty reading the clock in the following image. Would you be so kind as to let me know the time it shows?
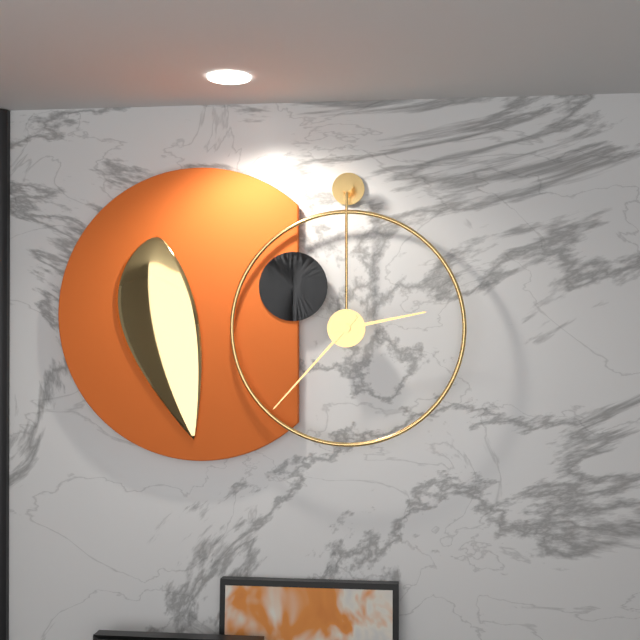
2:37
